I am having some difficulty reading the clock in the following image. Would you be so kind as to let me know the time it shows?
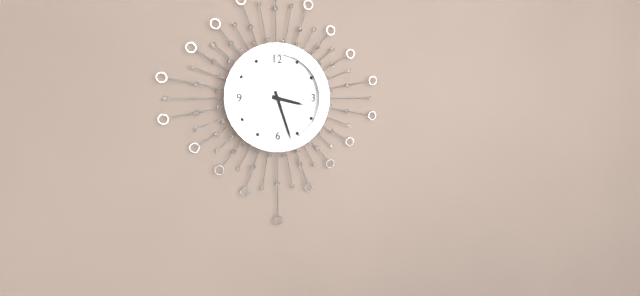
3:27
